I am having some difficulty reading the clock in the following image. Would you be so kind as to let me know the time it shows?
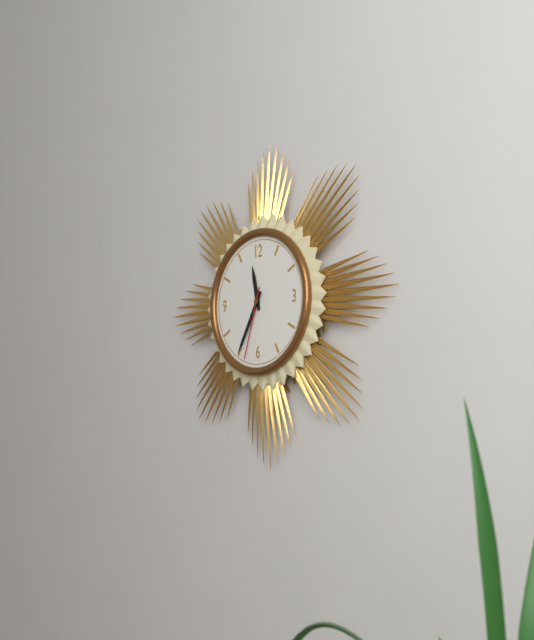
11:35:33
